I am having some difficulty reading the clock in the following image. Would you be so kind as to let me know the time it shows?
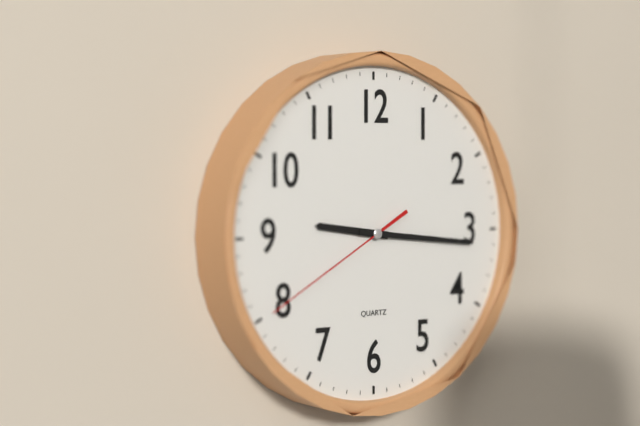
9:16:40
